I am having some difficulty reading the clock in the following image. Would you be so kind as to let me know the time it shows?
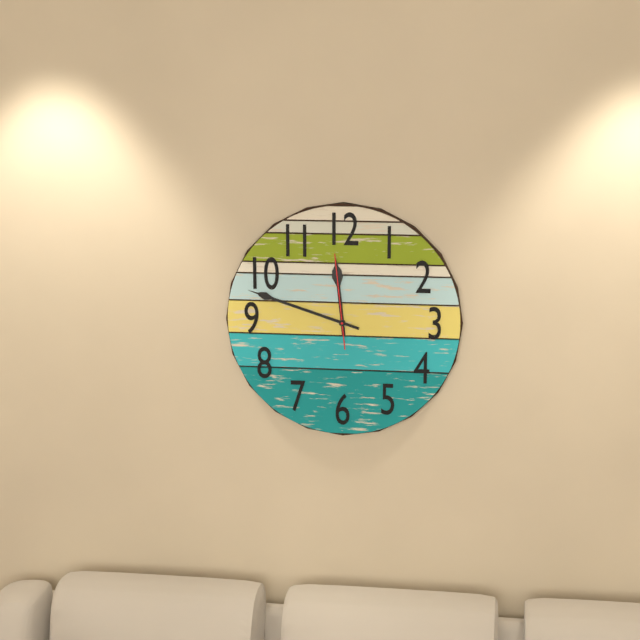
11:48:59
